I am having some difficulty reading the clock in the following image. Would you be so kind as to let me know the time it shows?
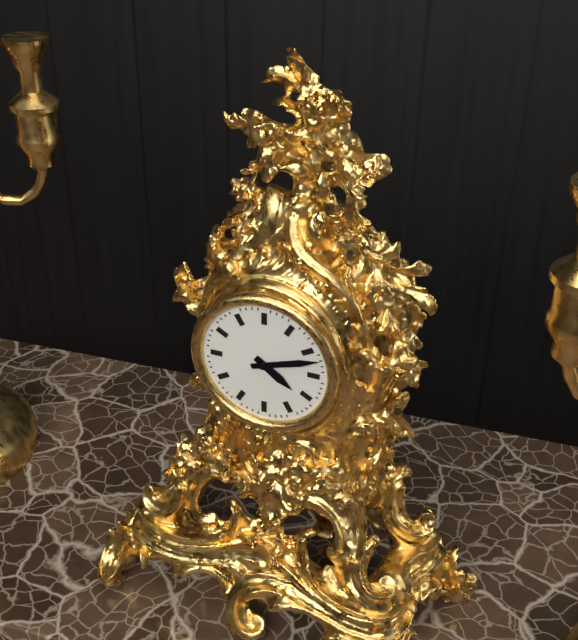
4:12
